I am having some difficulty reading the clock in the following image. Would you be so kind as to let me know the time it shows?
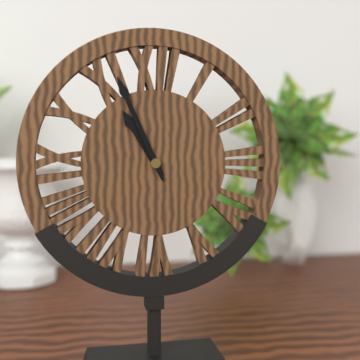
10:56
